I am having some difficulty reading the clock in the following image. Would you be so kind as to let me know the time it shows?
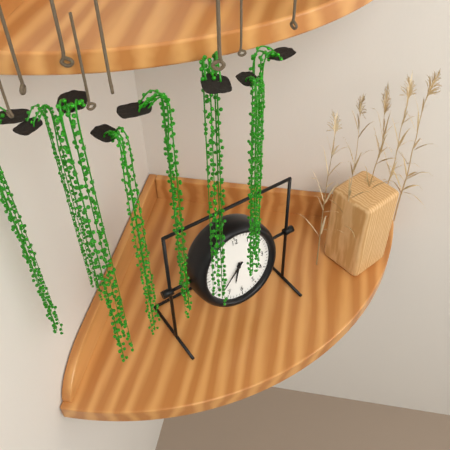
6:38
